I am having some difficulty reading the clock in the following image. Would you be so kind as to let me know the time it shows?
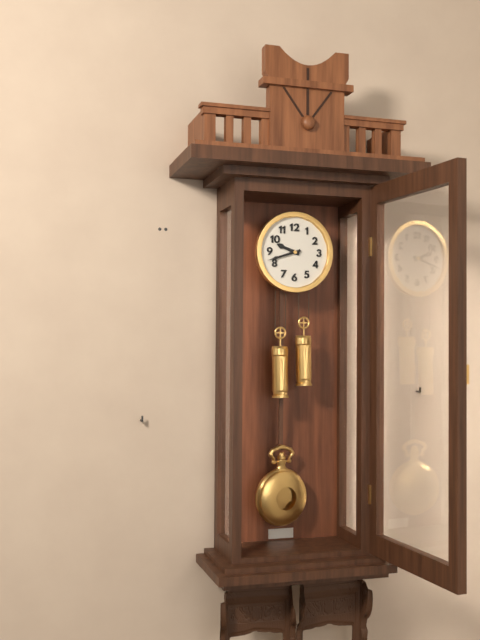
9:42
